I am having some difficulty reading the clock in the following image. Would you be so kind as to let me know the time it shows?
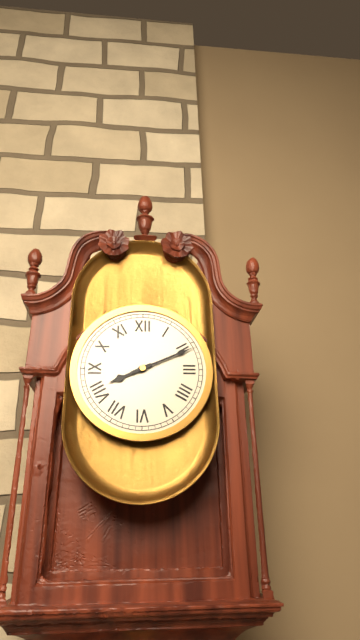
8:11
